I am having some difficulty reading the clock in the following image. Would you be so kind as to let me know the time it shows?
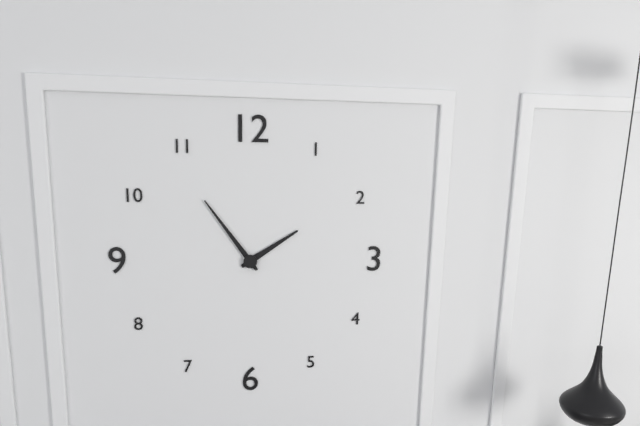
1:54
